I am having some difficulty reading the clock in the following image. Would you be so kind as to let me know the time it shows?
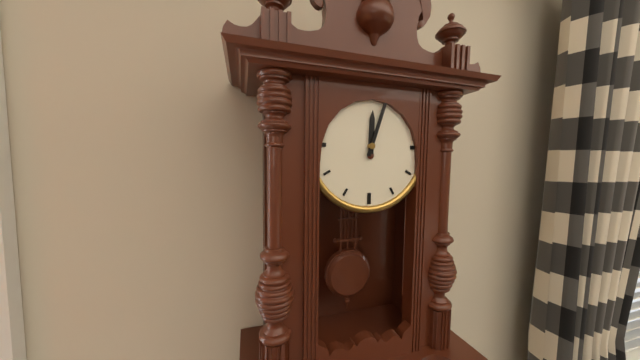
12:03
